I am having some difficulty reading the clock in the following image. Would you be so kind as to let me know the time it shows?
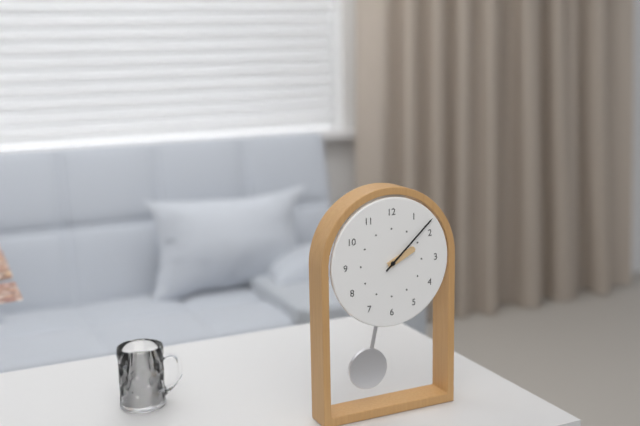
2:08
